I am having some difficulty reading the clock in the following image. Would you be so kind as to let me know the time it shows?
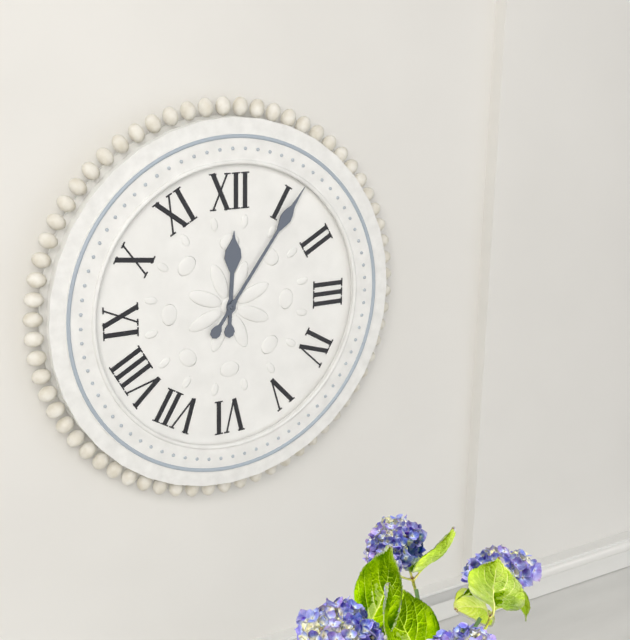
12:06
